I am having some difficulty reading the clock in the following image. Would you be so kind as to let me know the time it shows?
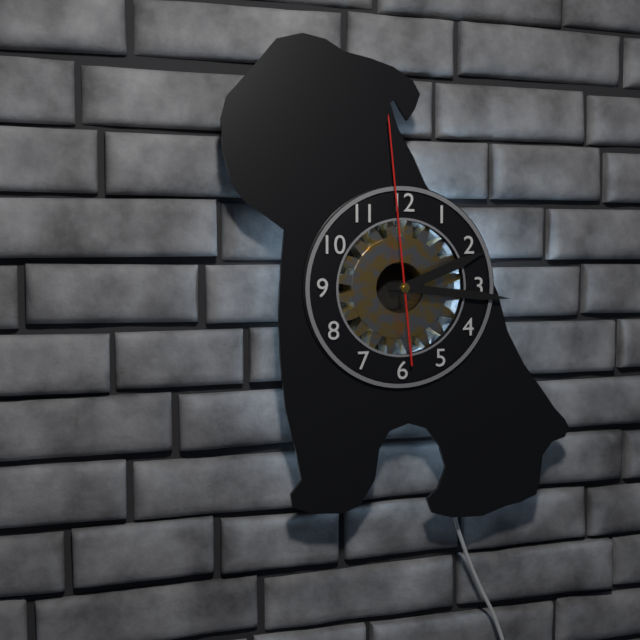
2:16:59
